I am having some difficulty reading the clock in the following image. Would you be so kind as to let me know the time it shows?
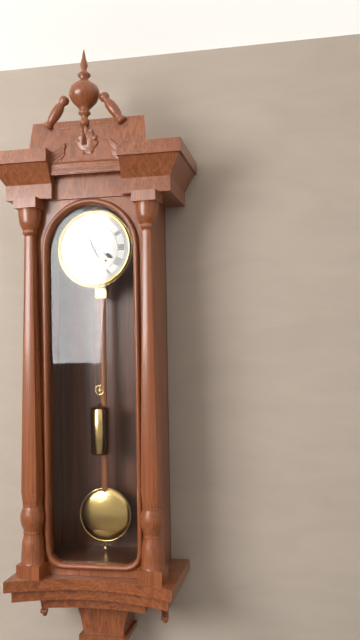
3:56
